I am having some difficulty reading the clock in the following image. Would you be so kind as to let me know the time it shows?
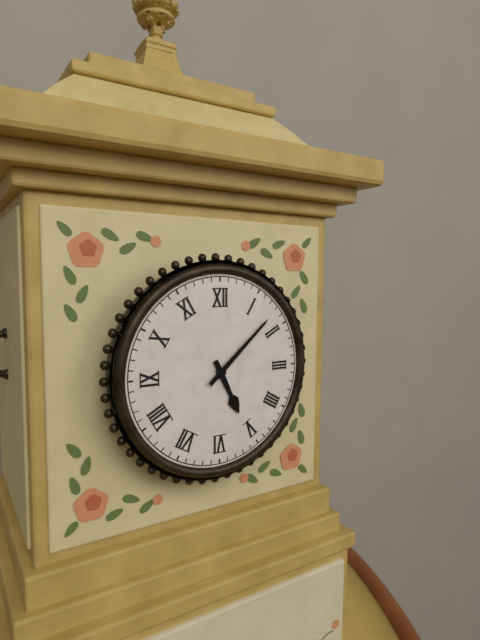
5:08
